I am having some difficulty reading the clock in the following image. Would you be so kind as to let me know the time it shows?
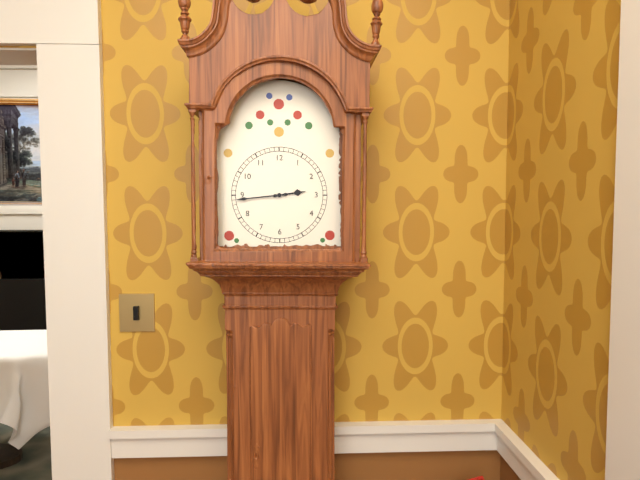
2:44
